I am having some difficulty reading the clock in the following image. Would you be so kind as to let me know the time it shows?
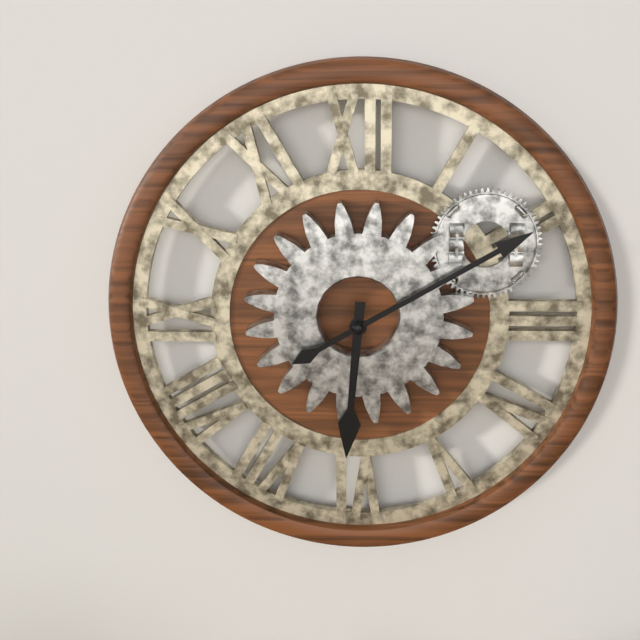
6:10
